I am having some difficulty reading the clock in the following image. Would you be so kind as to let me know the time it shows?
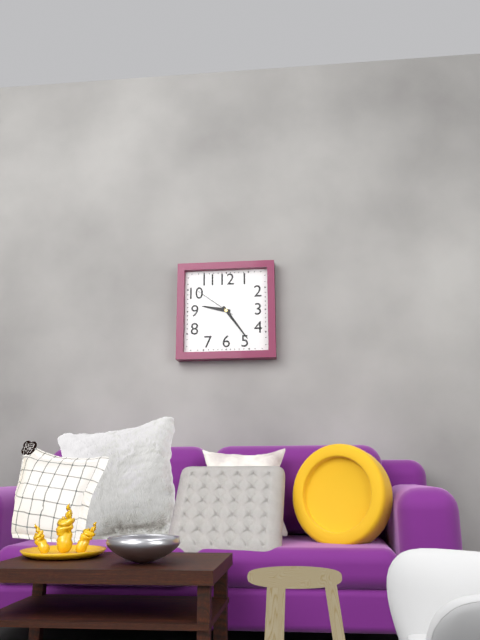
9:24
